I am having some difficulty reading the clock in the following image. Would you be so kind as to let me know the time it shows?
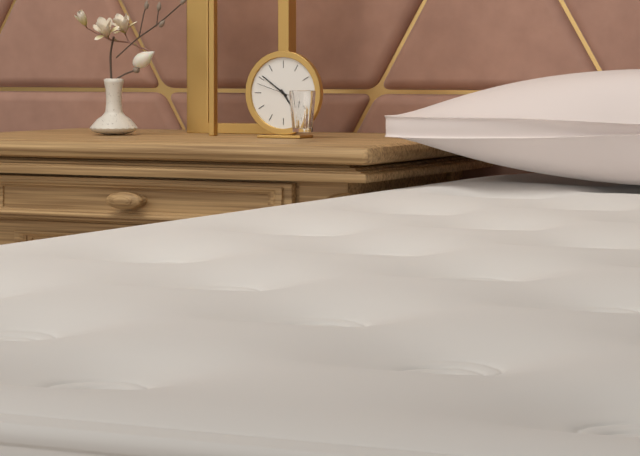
4:51
